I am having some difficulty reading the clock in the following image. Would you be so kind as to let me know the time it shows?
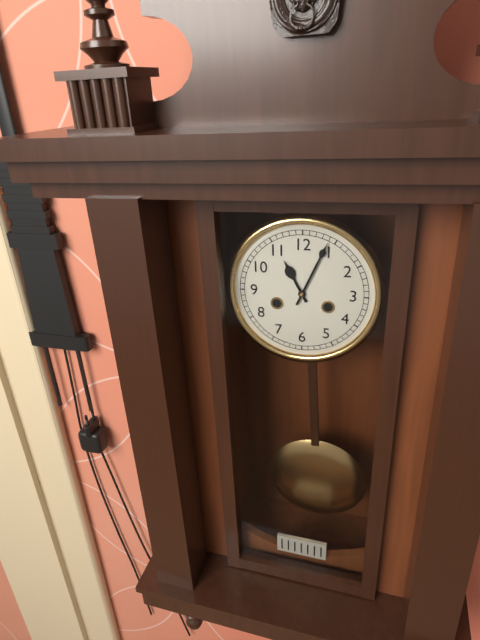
11:04
